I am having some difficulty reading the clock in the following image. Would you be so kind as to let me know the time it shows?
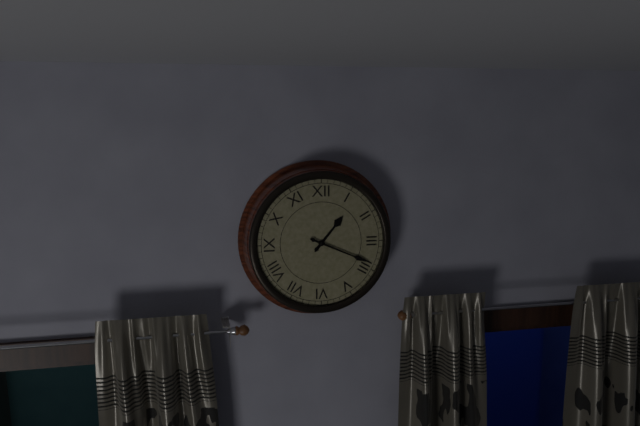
1:19
